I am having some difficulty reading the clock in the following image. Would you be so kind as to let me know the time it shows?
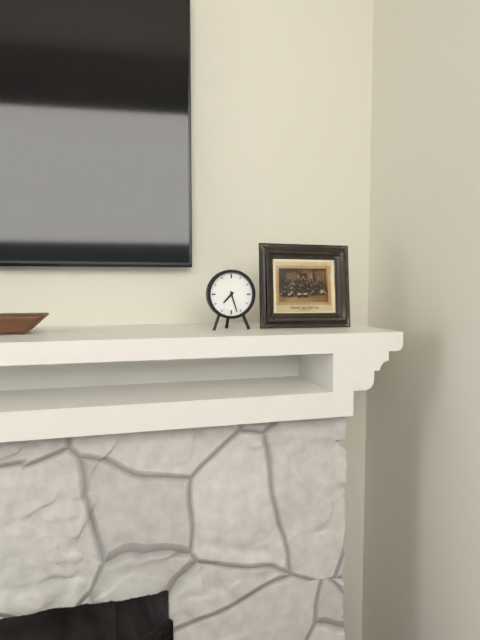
7:27
